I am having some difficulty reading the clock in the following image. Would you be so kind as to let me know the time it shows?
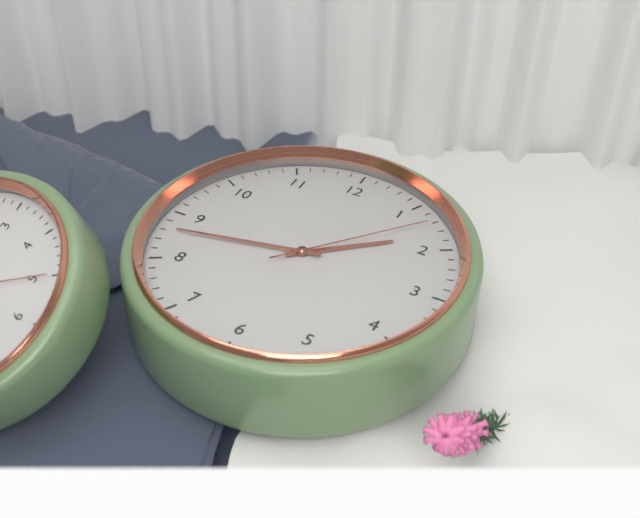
1:43:07
